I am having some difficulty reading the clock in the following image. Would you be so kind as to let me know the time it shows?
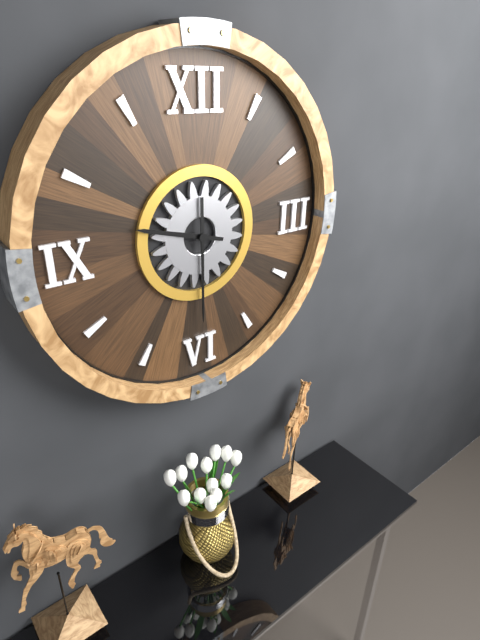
9:30
